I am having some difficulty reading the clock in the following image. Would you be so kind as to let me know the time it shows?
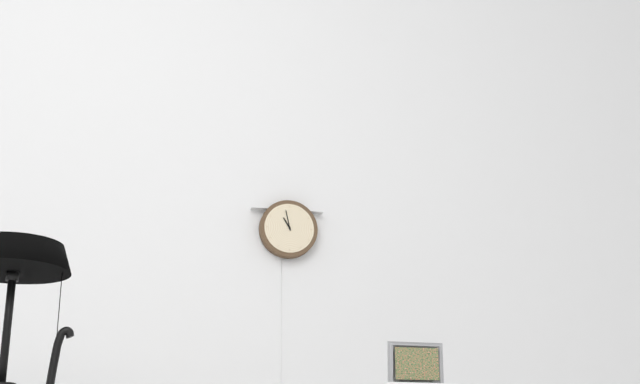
10:58
